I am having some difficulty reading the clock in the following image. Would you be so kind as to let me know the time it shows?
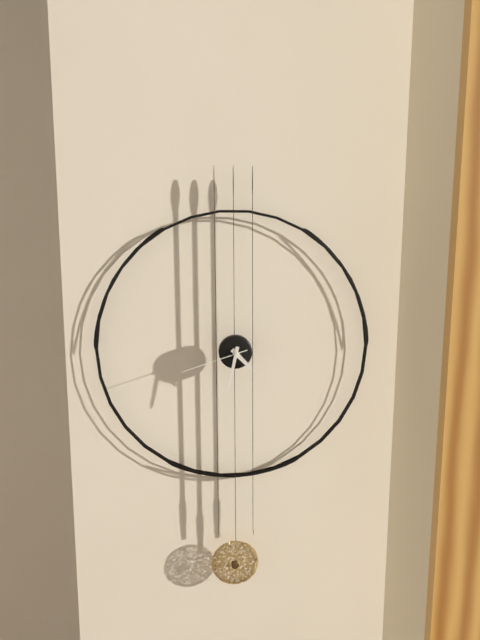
4:32:42
